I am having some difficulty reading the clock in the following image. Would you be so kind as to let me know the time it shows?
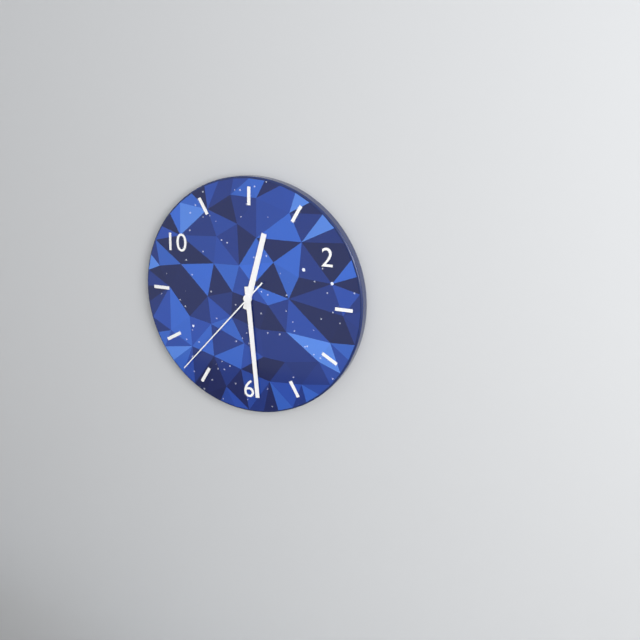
12:29:37
